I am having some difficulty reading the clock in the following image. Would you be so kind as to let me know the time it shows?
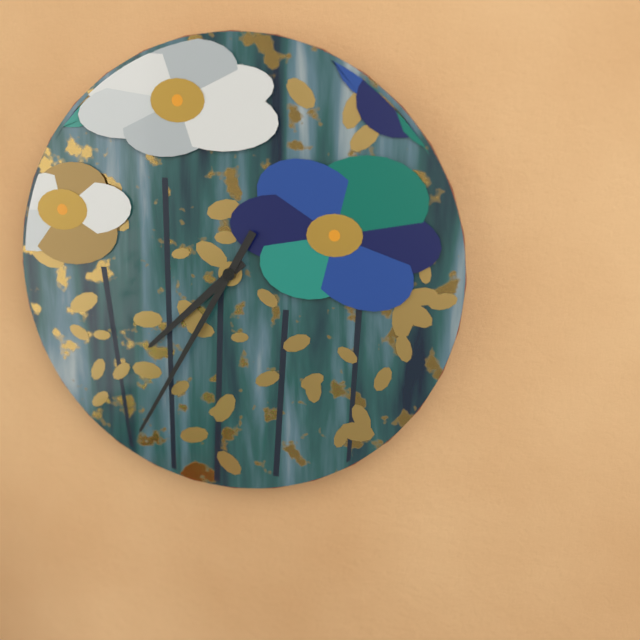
7:35
